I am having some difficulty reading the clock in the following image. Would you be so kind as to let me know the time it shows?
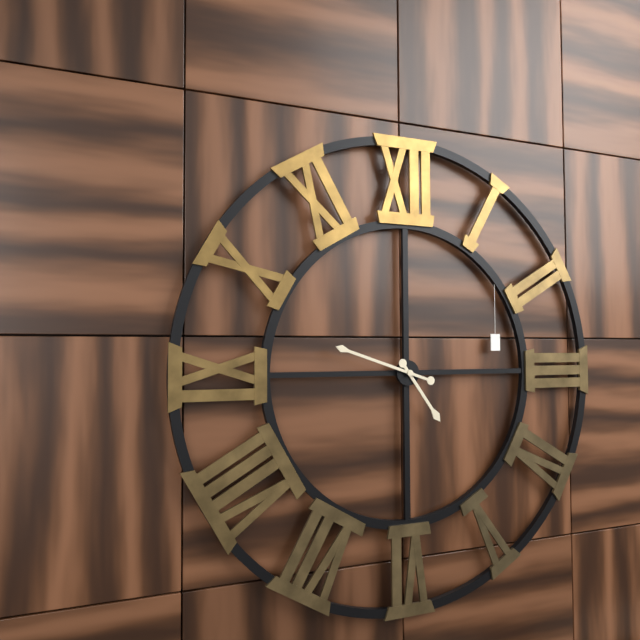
4:48
